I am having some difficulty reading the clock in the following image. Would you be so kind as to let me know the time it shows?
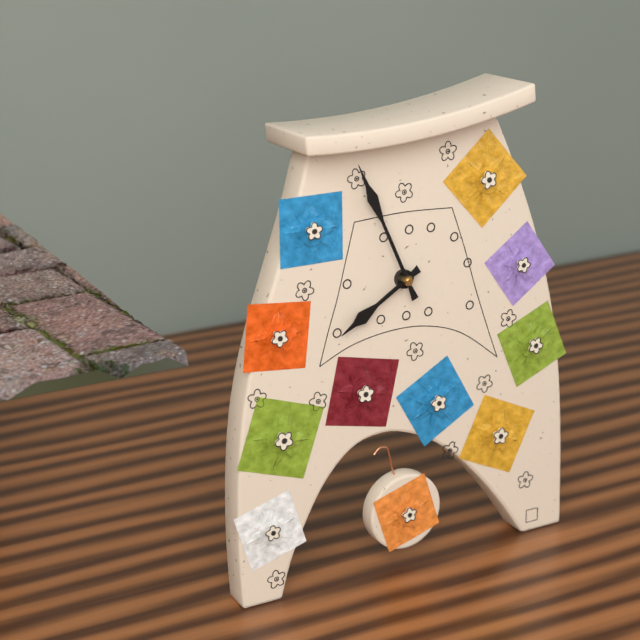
7:56
